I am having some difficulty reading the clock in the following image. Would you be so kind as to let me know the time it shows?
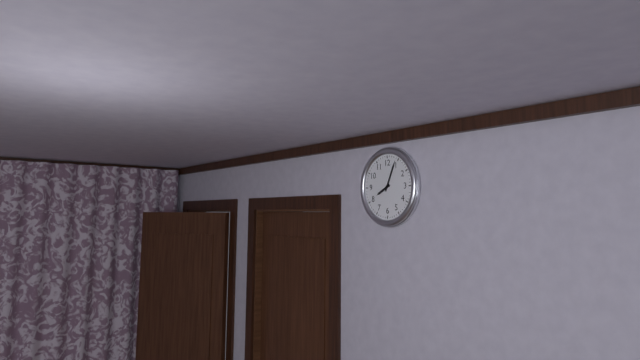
8:04
